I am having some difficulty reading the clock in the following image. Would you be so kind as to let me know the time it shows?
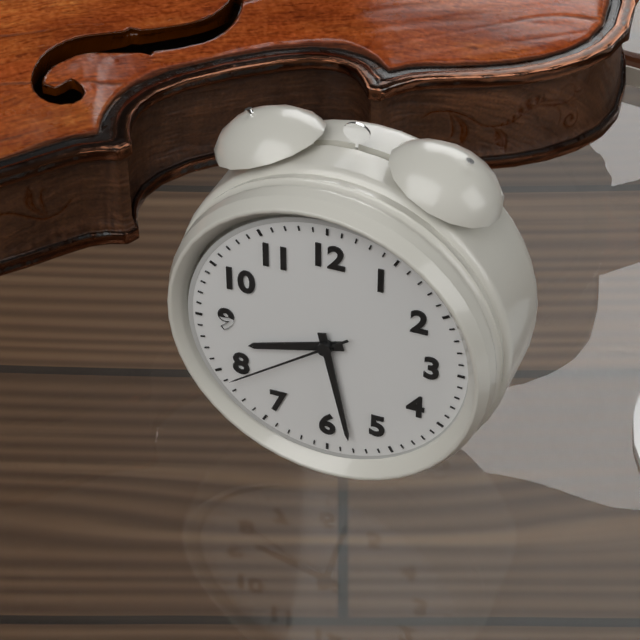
8:28:39
